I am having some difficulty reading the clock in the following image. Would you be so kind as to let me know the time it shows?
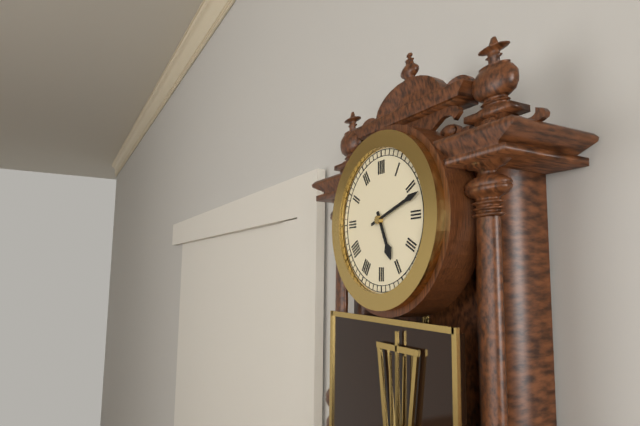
5:12
